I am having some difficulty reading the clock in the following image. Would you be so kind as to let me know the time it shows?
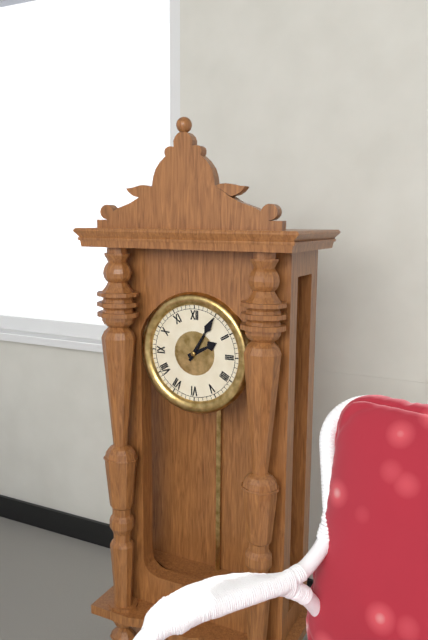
2:05
